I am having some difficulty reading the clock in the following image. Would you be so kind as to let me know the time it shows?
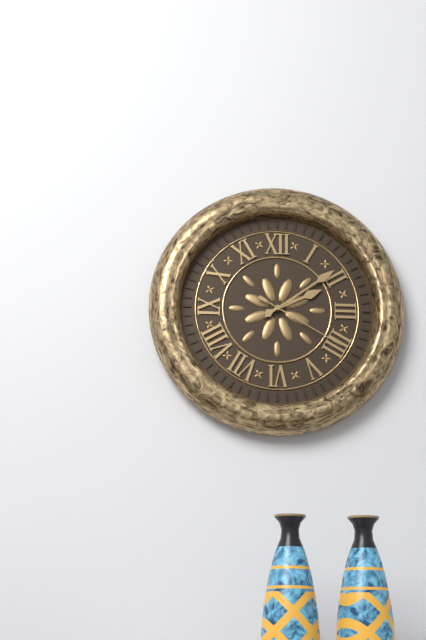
2:09:20
